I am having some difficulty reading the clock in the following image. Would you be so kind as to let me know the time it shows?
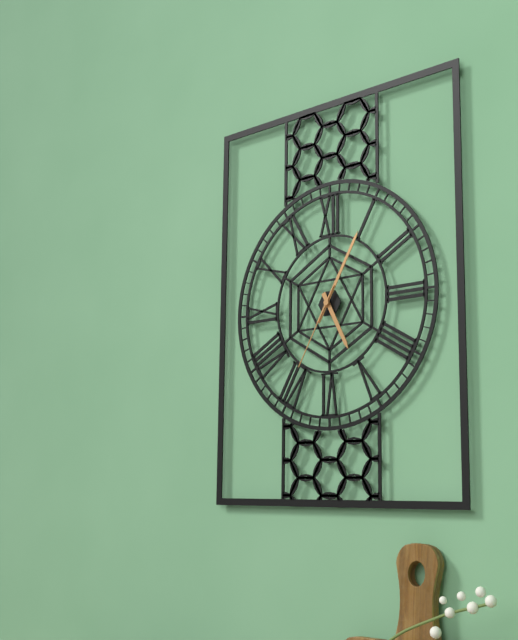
5:05:35
